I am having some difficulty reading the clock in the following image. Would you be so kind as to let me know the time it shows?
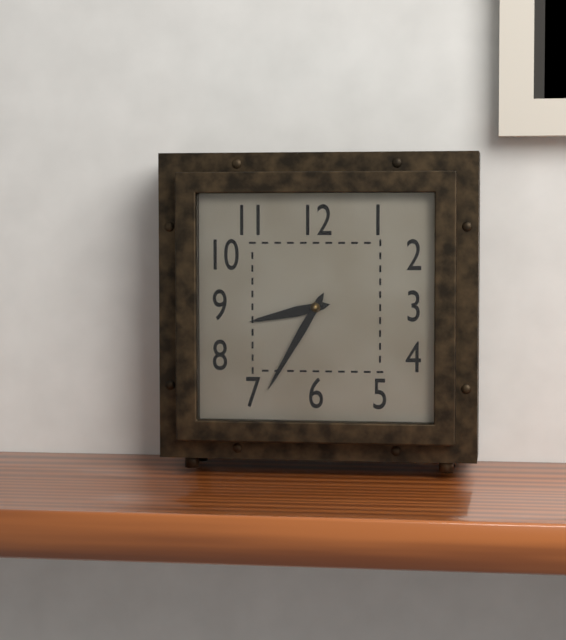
8:35
